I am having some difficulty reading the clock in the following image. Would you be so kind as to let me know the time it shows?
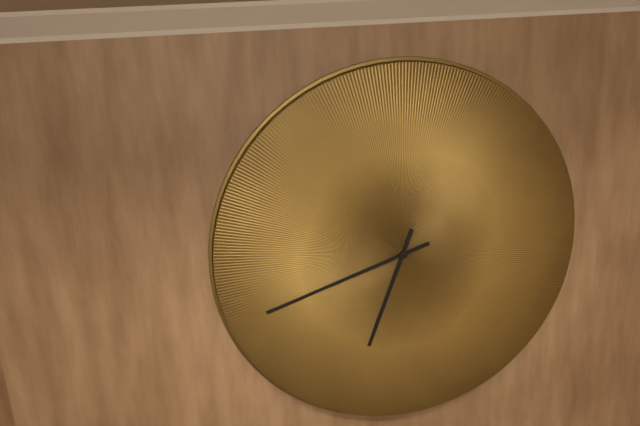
6:42
